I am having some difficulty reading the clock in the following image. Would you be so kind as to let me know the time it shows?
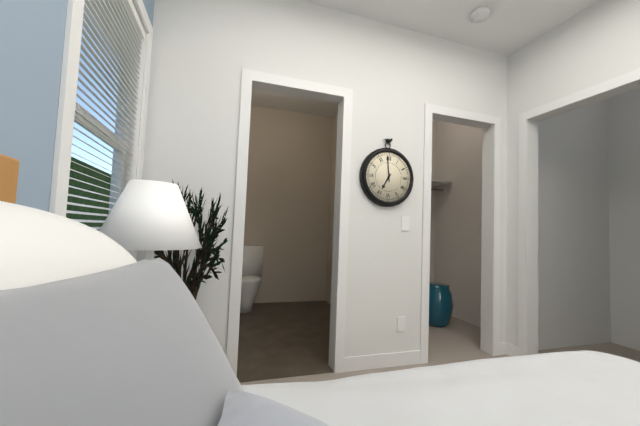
6:59
